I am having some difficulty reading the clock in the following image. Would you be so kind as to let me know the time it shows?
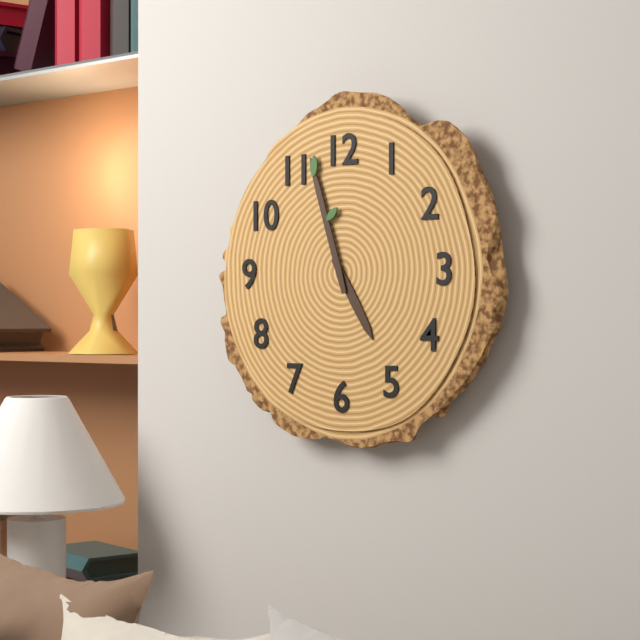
4:57
